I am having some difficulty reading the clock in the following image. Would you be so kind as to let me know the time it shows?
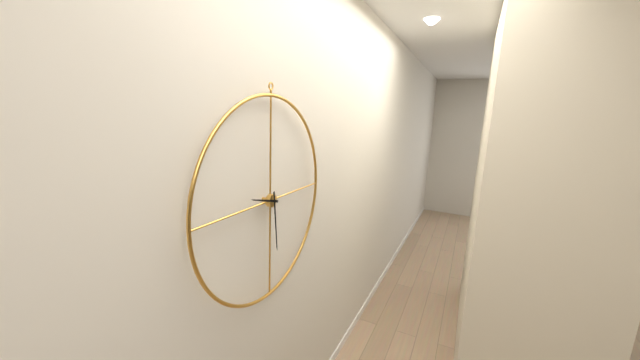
9:29
